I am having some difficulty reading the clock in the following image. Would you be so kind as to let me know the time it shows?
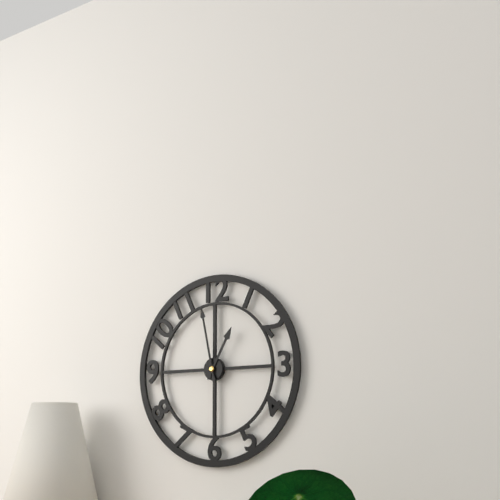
12:58
